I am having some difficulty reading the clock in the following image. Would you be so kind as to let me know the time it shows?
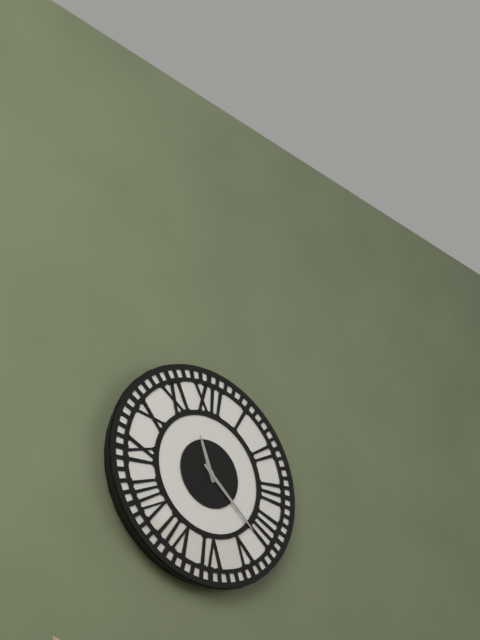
11:22
